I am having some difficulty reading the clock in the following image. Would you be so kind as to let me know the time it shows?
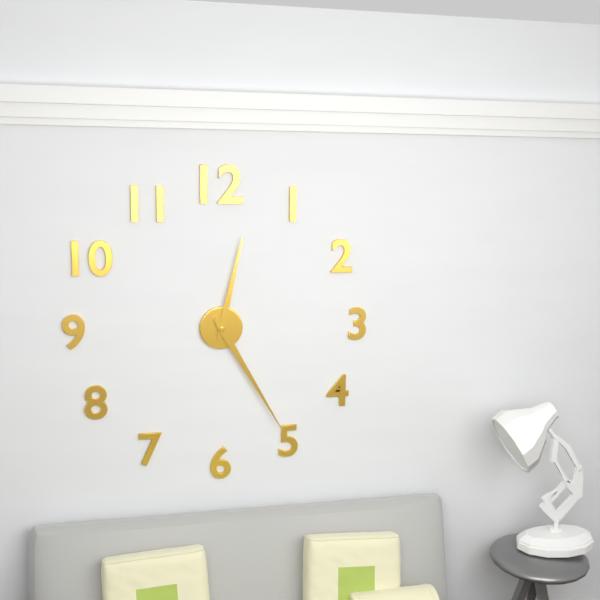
12:25
